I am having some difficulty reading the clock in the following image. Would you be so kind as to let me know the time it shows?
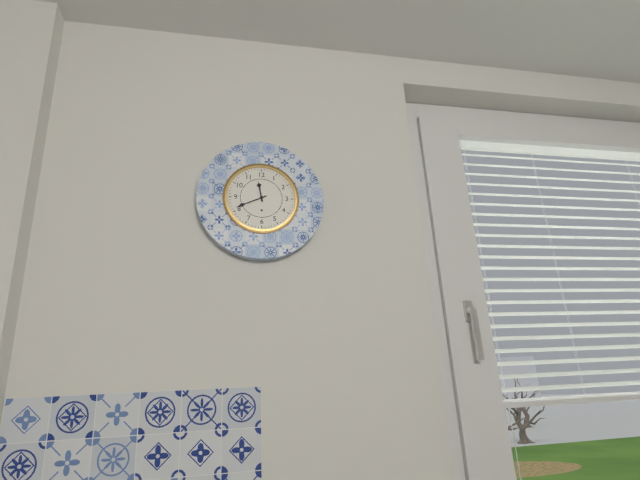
11:41
